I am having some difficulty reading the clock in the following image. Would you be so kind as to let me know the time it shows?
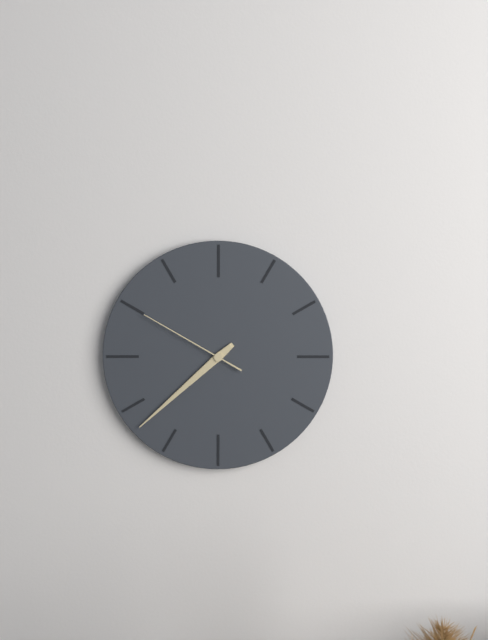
7:38:50
